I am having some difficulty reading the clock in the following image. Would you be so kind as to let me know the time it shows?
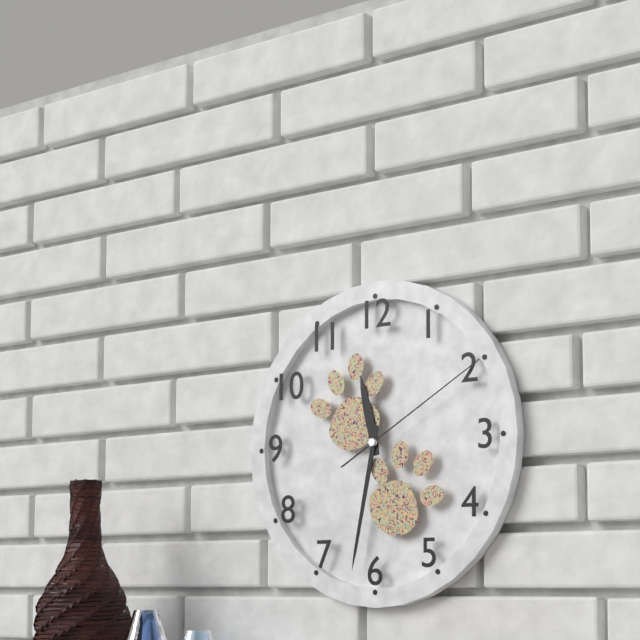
11:32:10
